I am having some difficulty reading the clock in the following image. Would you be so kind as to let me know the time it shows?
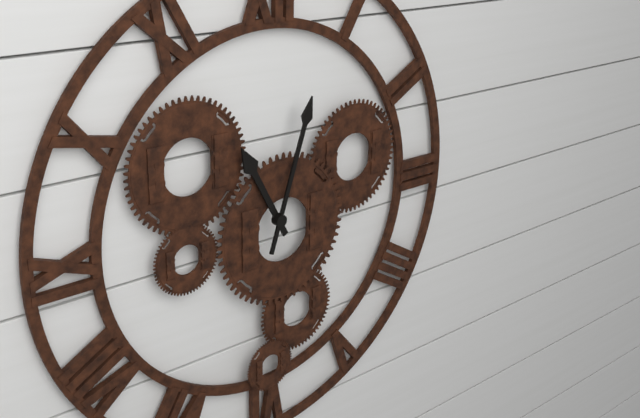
11:03
